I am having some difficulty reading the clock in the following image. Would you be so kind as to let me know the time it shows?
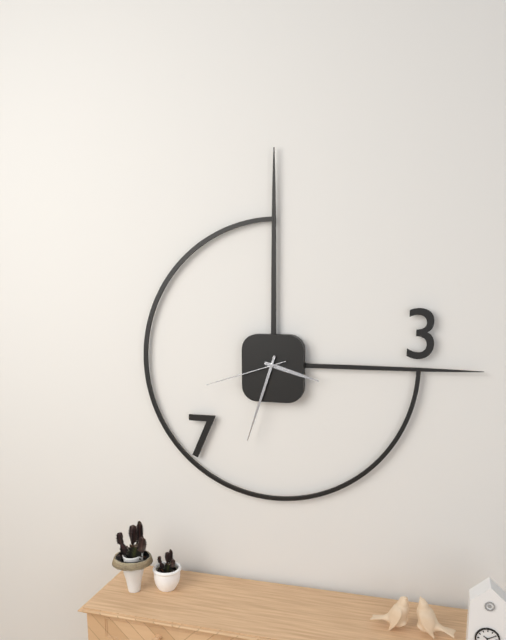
3:33:42
